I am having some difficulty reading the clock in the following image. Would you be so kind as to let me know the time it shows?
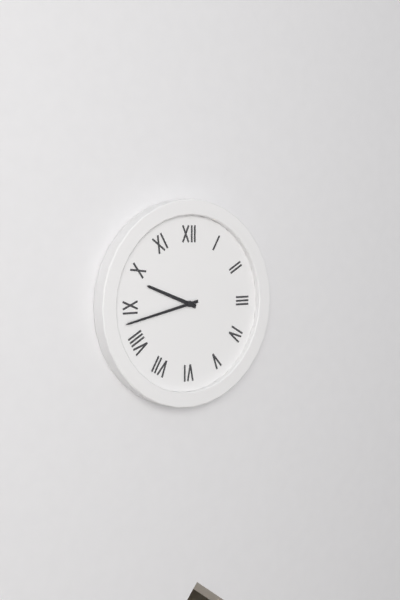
9:43
